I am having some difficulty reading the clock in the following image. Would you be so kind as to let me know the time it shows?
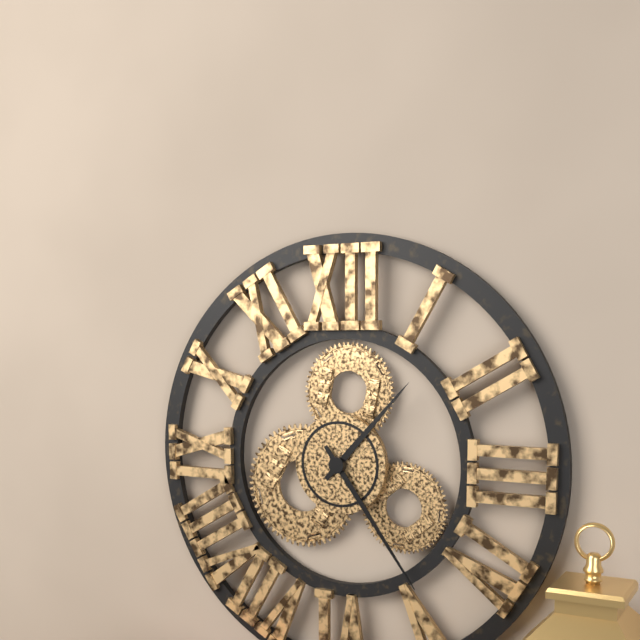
1:24
